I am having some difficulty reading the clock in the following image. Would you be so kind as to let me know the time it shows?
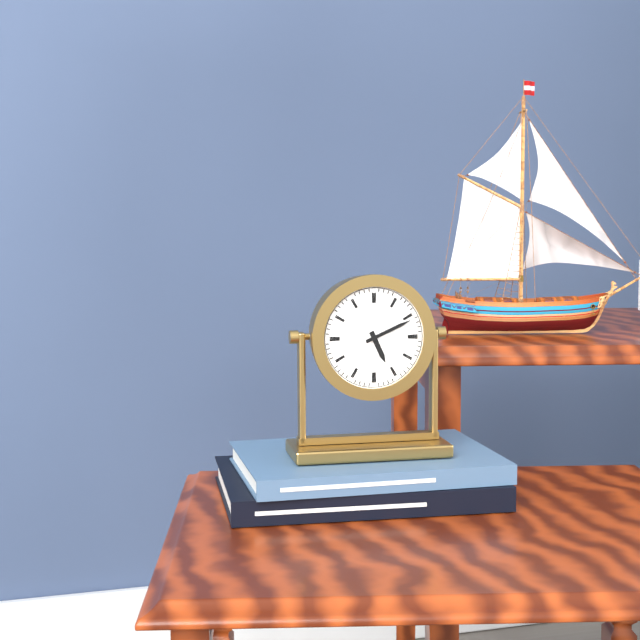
5:11
